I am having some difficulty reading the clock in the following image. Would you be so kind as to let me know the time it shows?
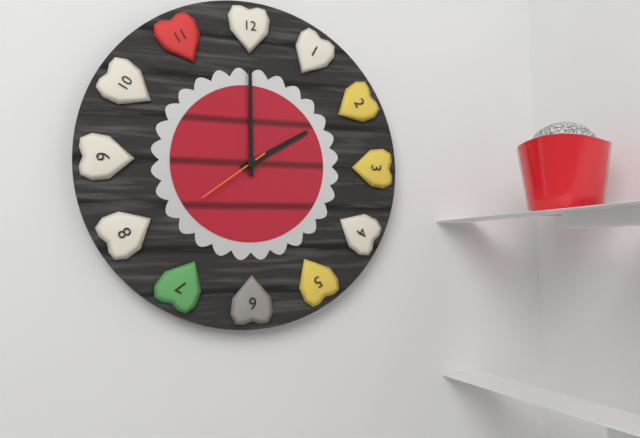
2:00:39
